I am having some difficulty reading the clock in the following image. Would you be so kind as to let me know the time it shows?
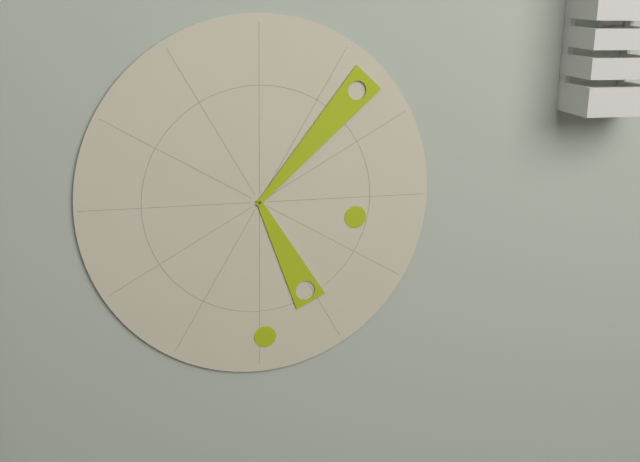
5:07
